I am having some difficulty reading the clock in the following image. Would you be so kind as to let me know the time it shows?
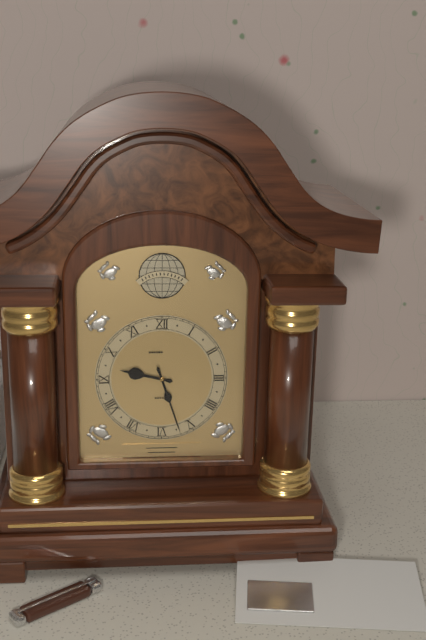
9:27
